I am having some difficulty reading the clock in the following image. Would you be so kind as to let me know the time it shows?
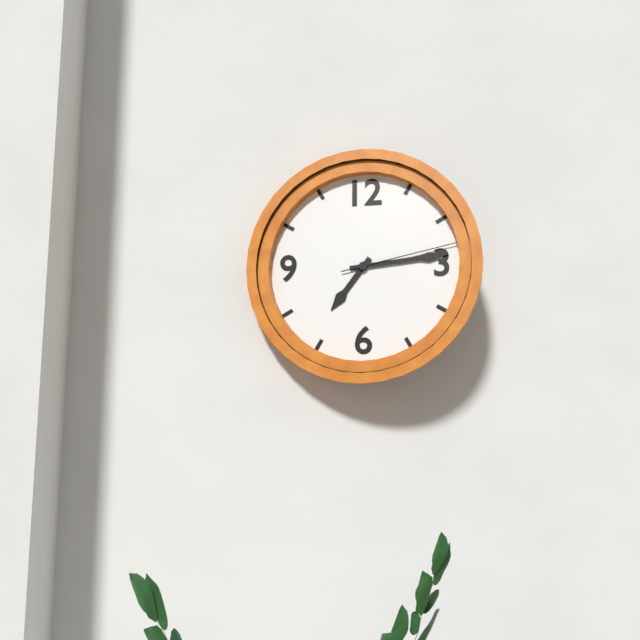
7:14:13
